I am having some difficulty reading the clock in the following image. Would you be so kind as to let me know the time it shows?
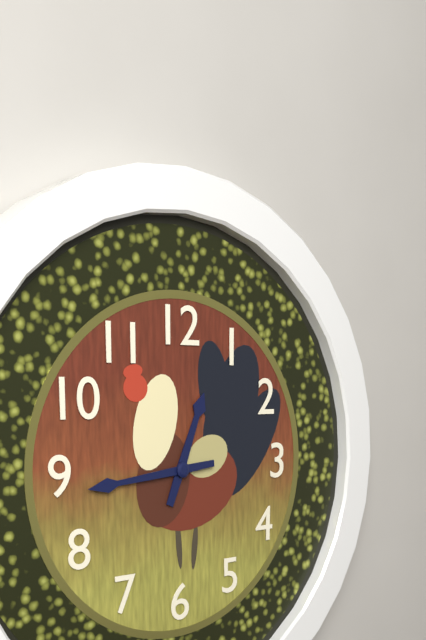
12:44
